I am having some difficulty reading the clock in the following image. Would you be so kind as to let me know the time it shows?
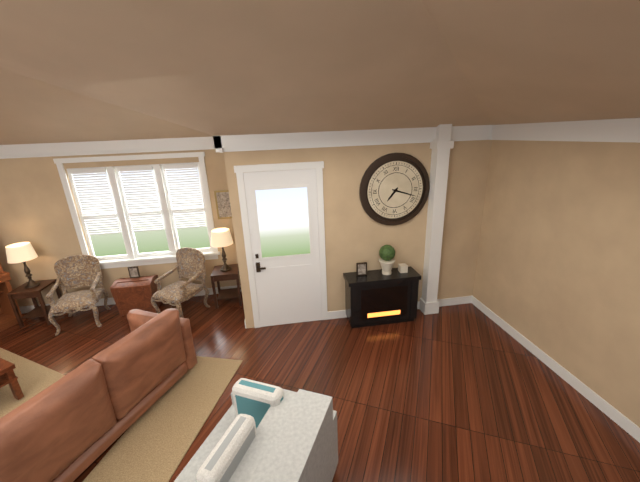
7:18
